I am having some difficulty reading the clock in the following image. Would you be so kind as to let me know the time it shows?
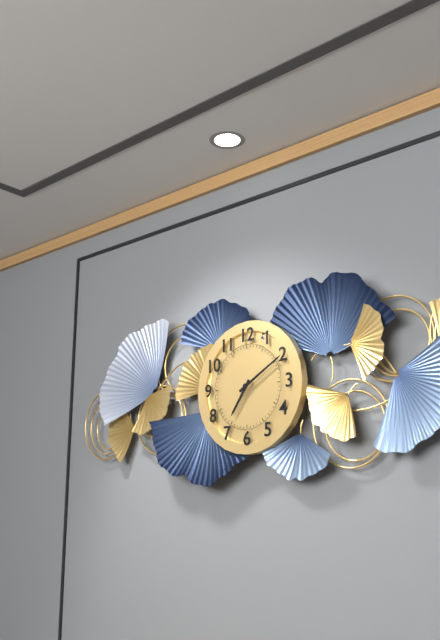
7:10
